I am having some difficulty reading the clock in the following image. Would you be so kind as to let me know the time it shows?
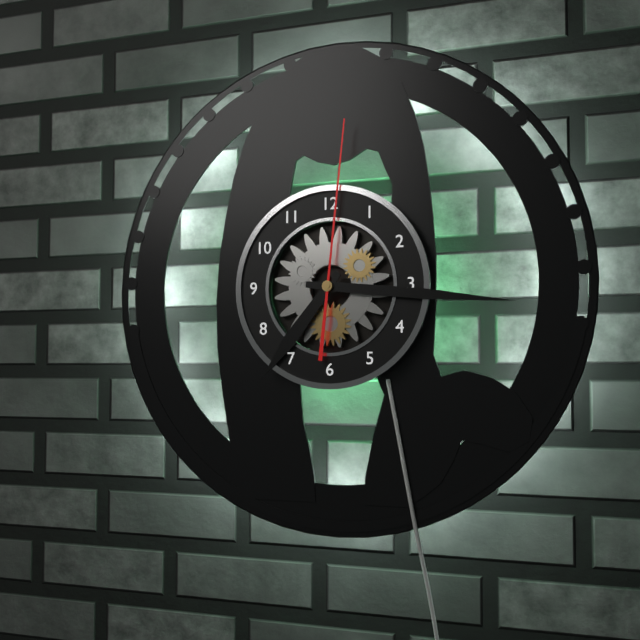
7:16:01
